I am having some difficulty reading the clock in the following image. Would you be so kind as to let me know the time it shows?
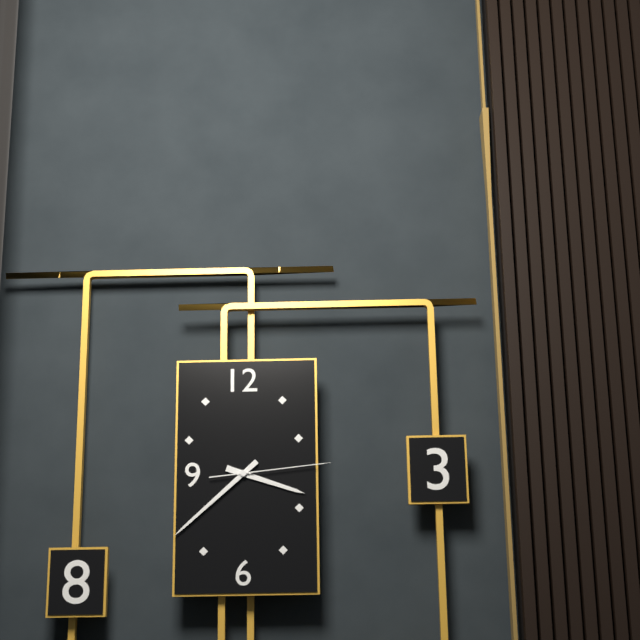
3:38:14
